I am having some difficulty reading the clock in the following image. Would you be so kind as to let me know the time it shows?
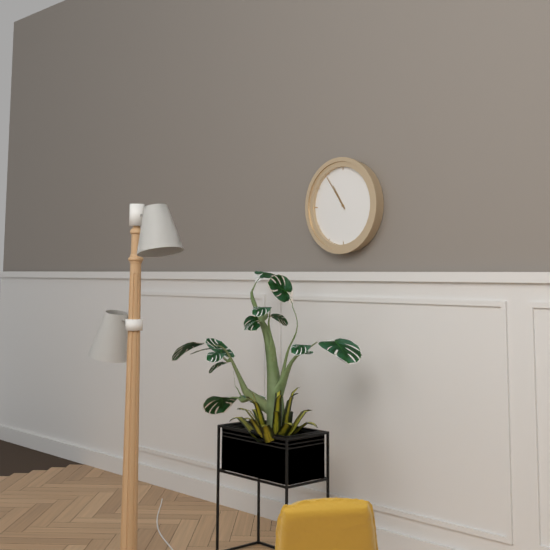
10:54
